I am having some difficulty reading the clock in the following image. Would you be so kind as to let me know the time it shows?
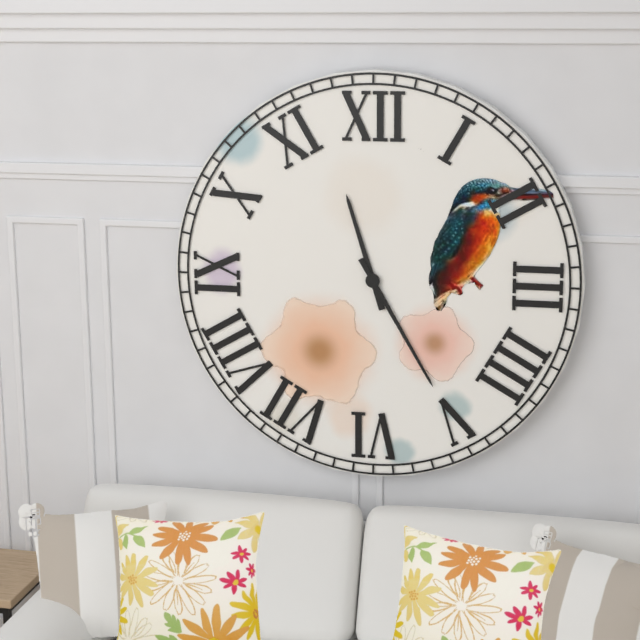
11:25
